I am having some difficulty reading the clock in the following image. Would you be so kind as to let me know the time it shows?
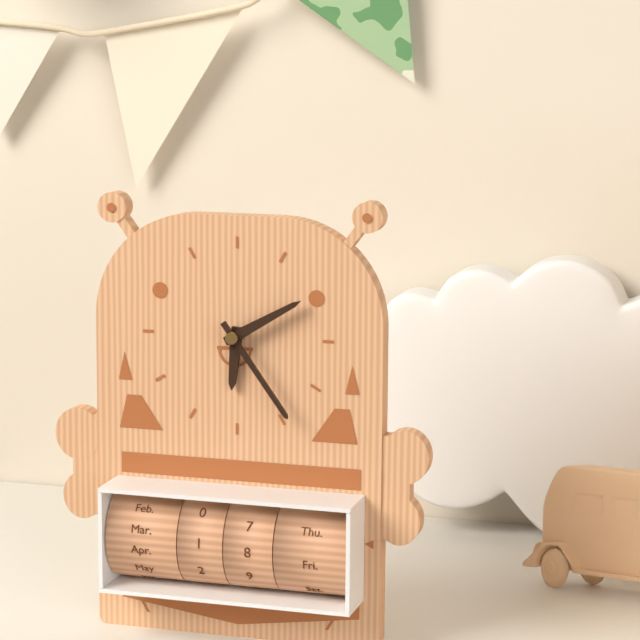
6:10:24
